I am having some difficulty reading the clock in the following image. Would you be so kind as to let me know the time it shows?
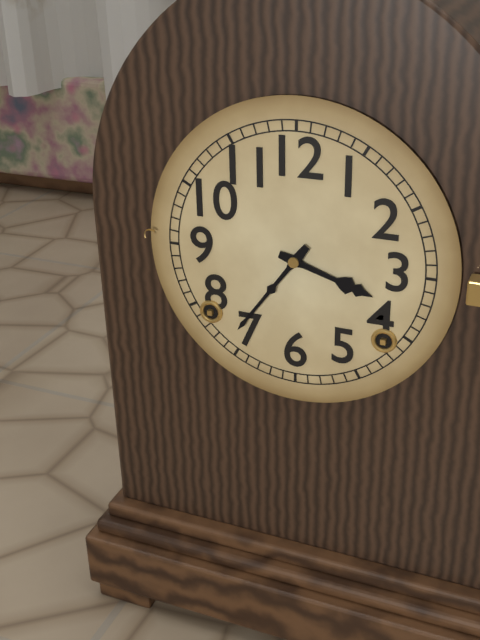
3:36
